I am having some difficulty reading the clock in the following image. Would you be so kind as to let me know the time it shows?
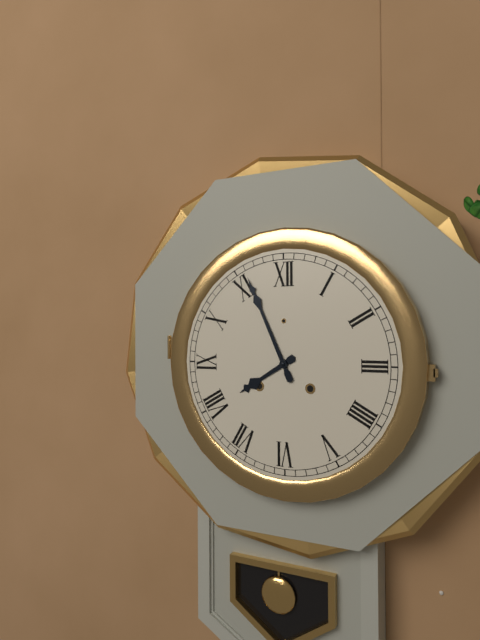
7:56
